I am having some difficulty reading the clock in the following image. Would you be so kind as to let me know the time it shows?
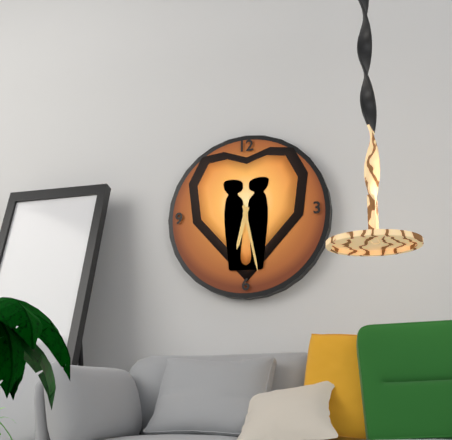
6:28
